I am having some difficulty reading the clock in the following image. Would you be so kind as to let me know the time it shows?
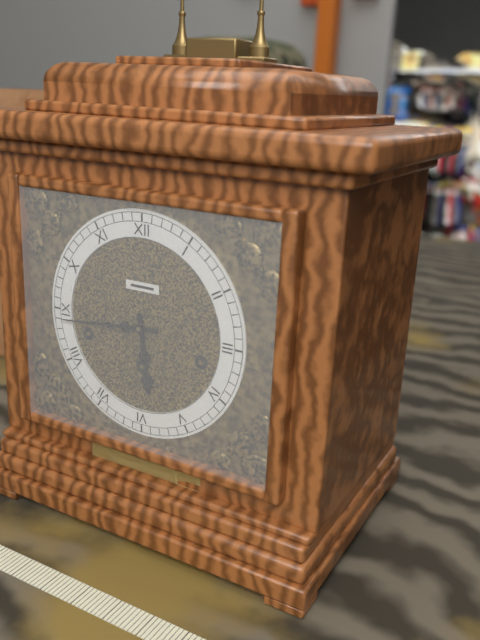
5:44
